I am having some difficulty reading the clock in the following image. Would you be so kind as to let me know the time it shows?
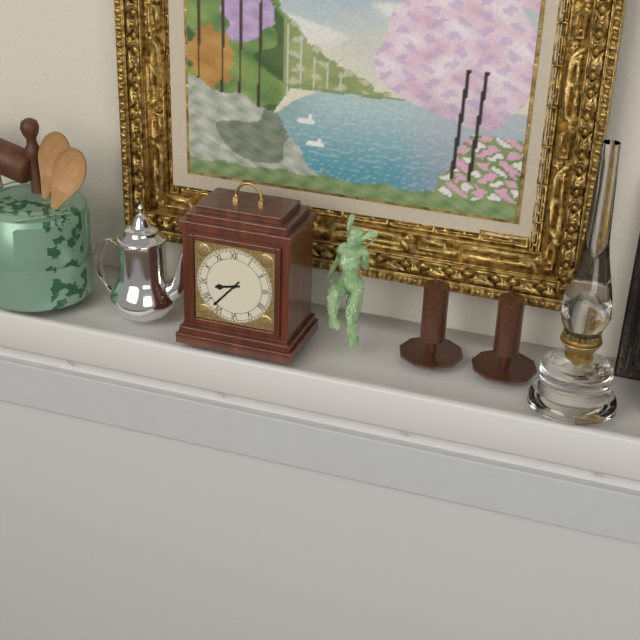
8:37
